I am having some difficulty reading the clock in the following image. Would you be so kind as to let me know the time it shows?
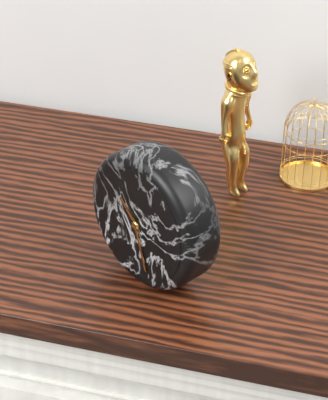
10:27
